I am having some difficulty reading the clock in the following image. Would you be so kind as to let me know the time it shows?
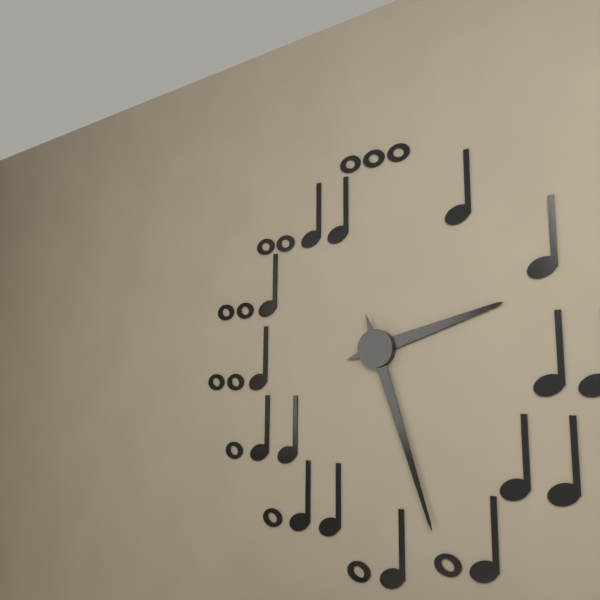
2:27
